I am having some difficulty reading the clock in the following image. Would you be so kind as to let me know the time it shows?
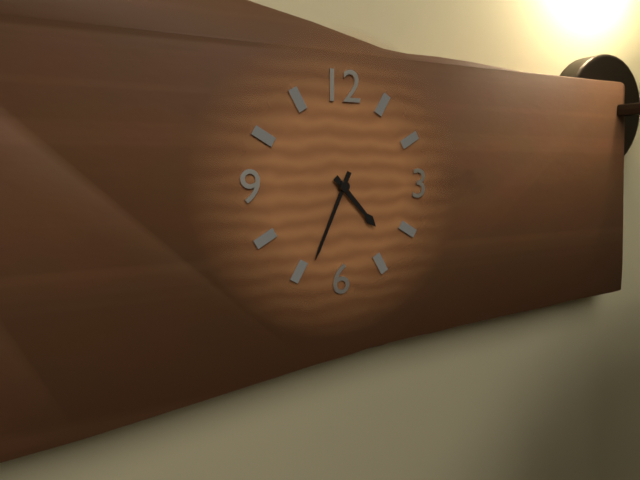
4:34
